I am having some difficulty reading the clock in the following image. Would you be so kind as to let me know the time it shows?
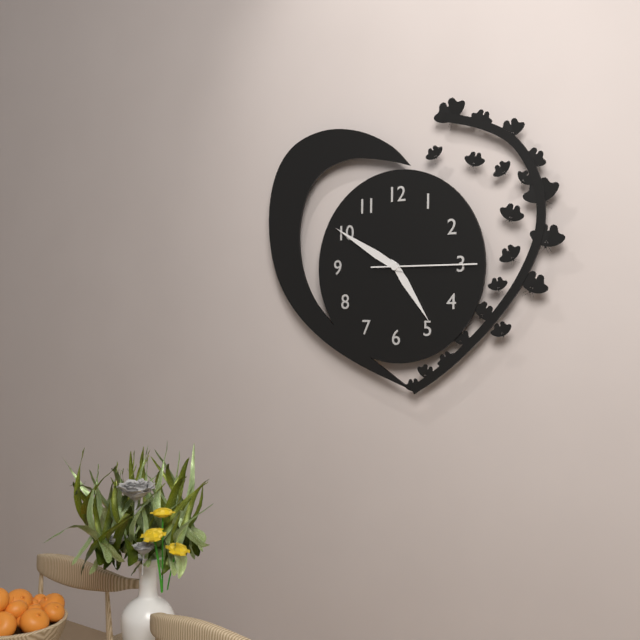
4:50:15
